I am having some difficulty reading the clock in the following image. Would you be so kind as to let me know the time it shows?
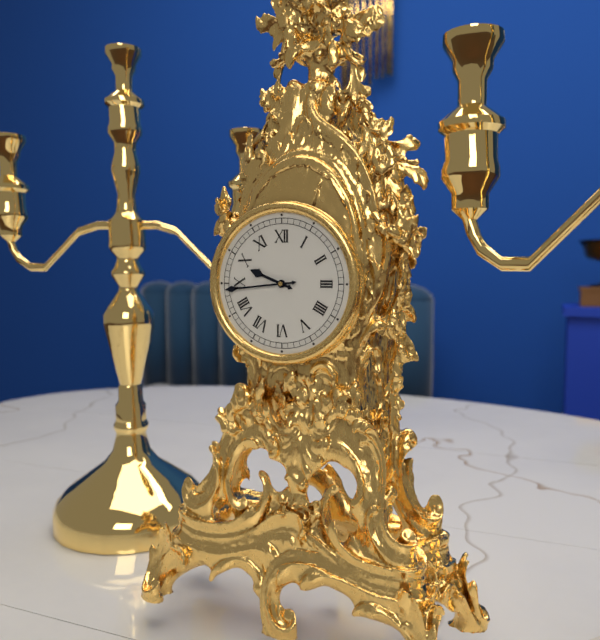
9:44
